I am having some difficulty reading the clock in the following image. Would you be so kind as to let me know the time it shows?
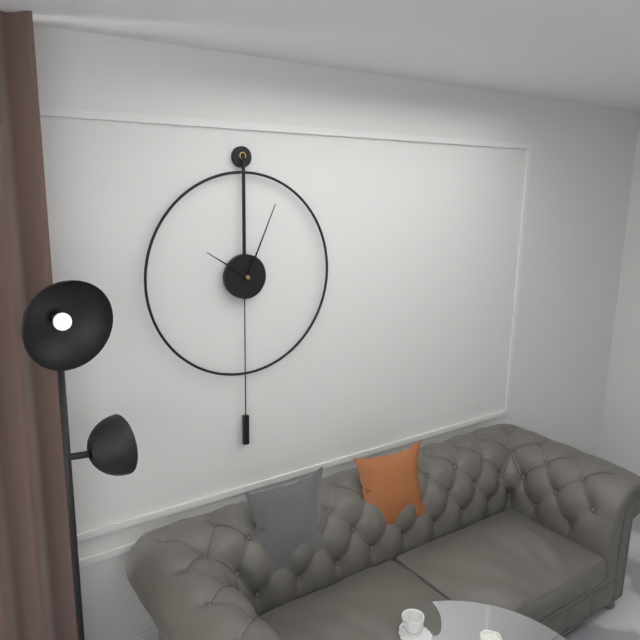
10:04
